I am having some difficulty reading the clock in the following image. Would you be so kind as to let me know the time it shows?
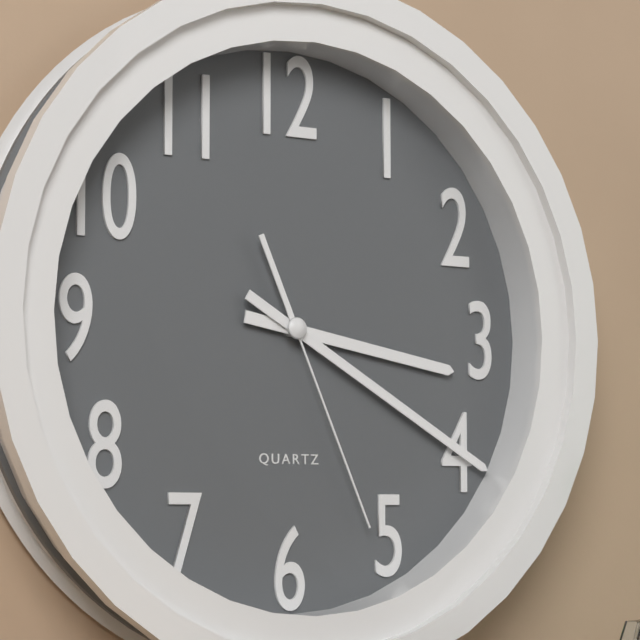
3:20:26
